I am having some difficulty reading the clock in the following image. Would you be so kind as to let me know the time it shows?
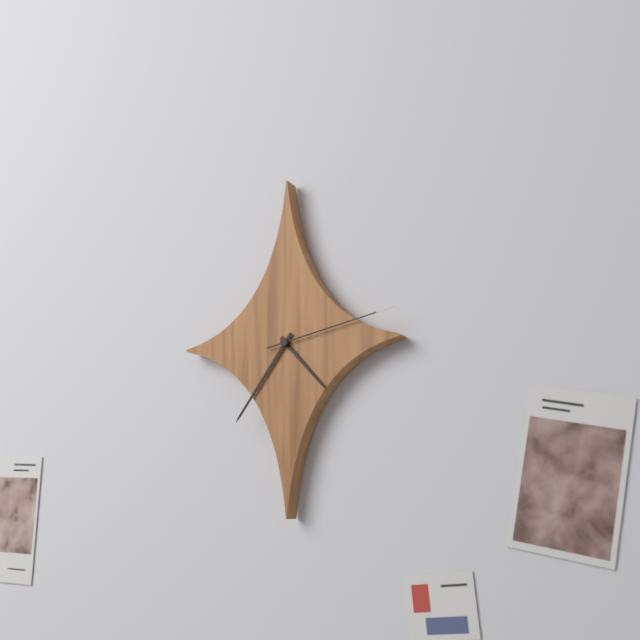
4:36:13
